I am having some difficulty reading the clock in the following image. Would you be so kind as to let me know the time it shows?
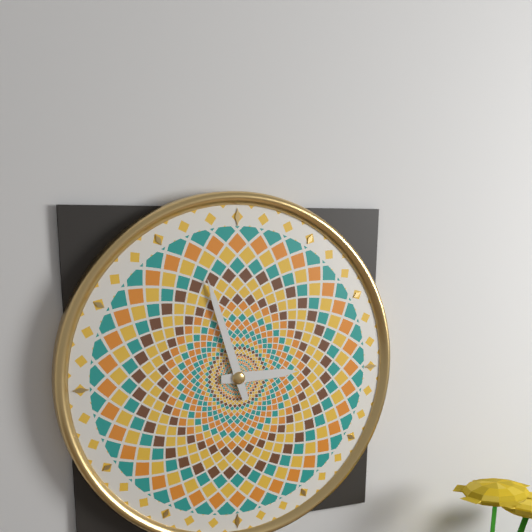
2:57
